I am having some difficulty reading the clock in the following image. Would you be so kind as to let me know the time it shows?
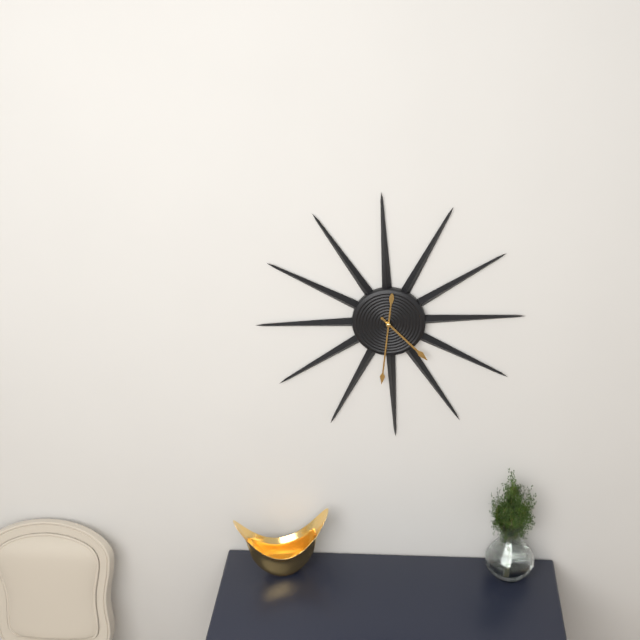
4:31
